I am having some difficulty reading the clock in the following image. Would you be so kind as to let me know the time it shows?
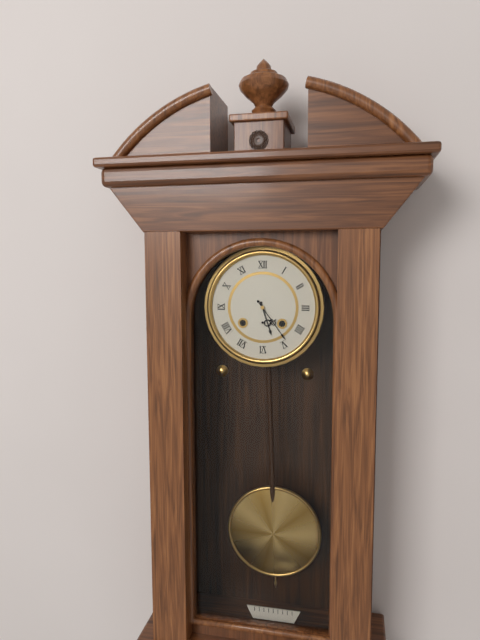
5:24
